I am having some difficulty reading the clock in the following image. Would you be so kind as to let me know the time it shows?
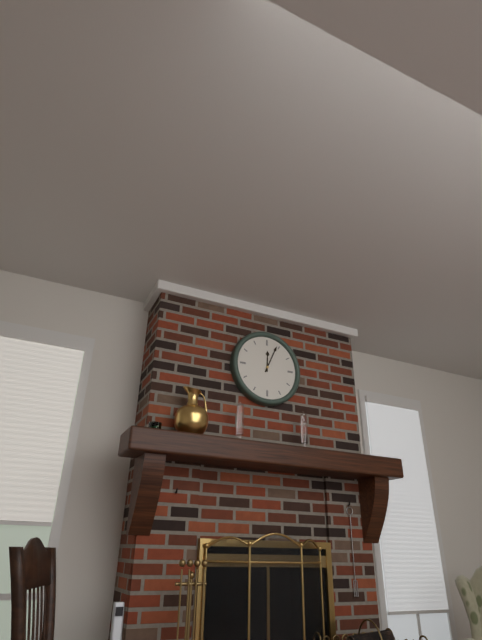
12:04
